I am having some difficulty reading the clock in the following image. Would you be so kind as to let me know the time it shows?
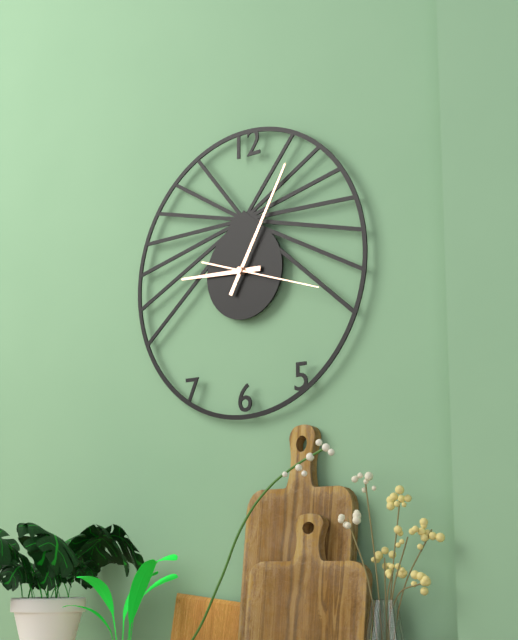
9:05:18
